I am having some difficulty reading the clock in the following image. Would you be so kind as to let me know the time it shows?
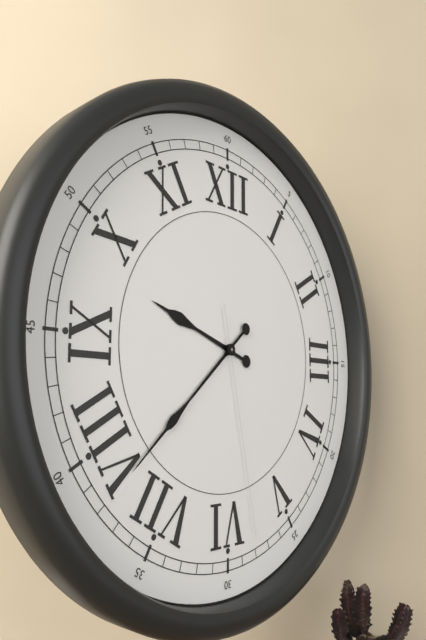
9:38:28
